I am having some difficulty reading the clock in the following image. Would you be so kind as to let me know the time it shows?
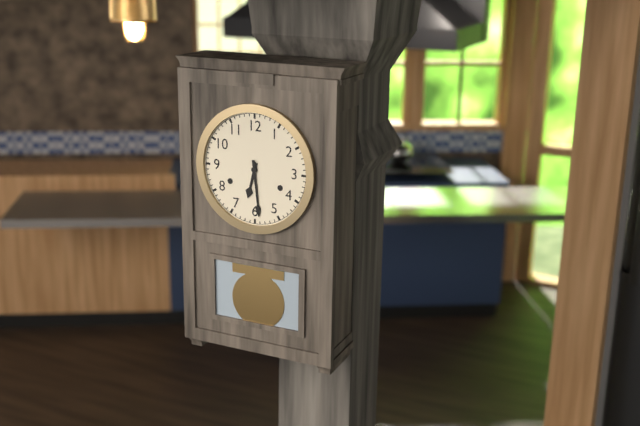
6:29
